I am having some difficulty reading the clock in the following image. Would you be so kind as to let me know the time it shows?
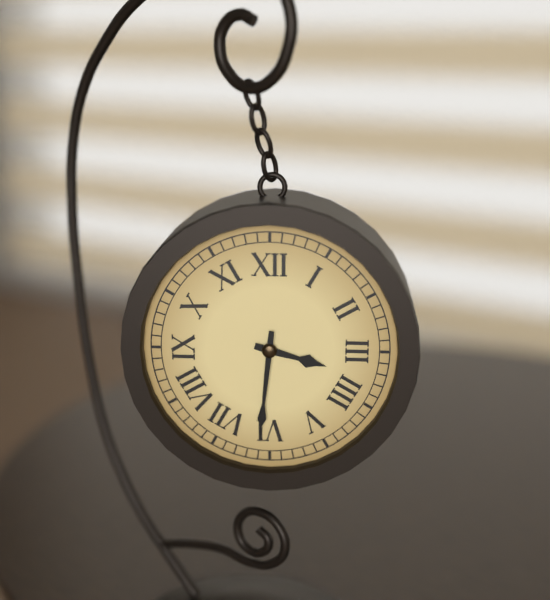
3:31
